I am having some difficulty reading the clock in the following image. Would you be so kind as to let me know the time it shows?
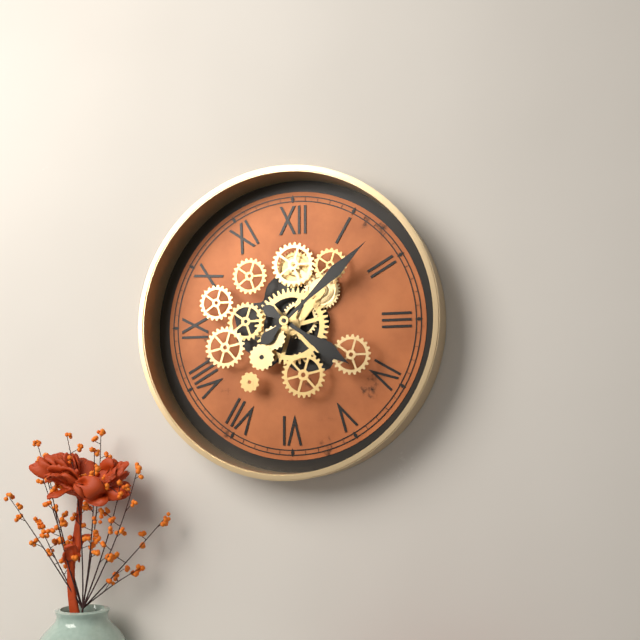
4:08
